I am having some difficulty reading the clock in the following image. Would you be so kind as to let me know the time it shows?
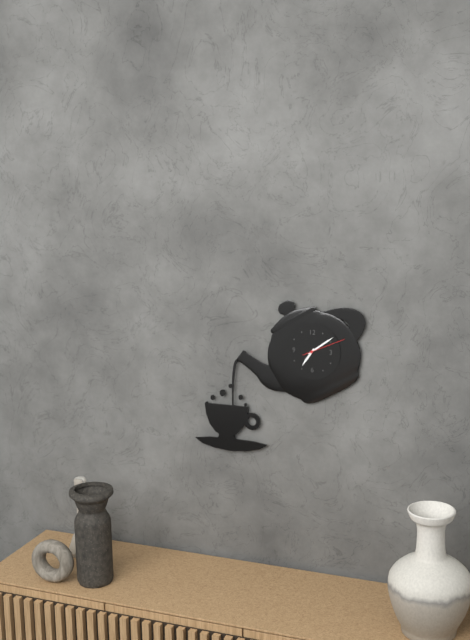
7:09
